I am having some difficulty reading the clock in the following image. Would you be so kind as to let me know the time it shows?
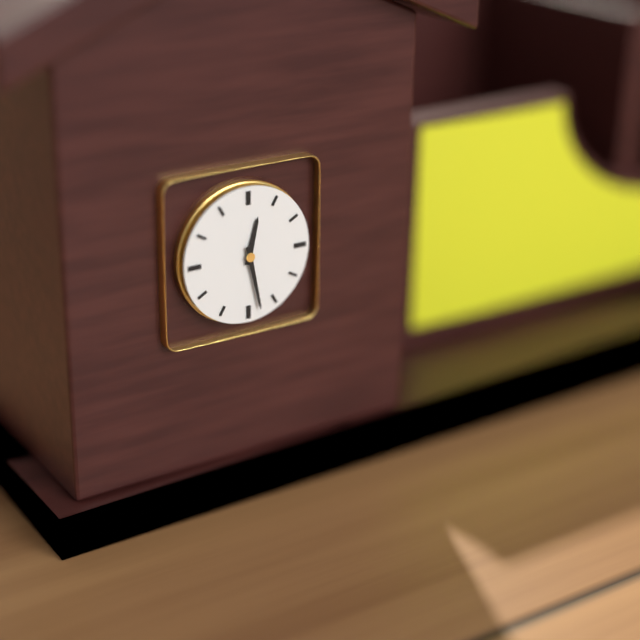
12:28
